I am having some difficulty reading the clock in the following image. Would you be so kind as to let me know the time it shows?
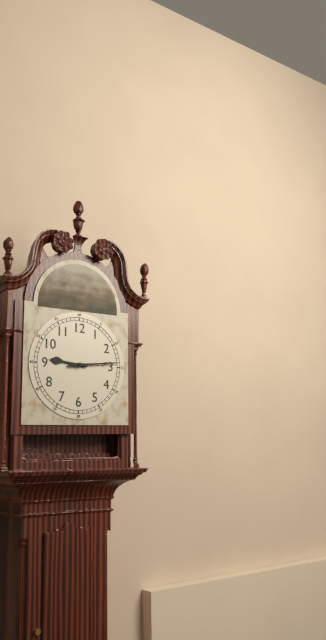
9:14
